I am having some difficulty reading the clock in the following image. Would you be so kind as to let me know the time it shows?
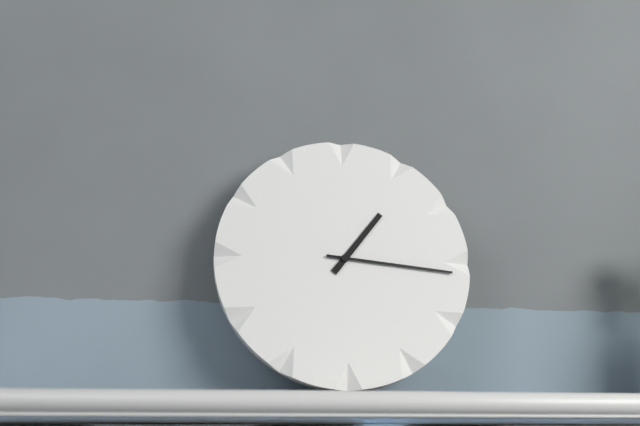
1:16
